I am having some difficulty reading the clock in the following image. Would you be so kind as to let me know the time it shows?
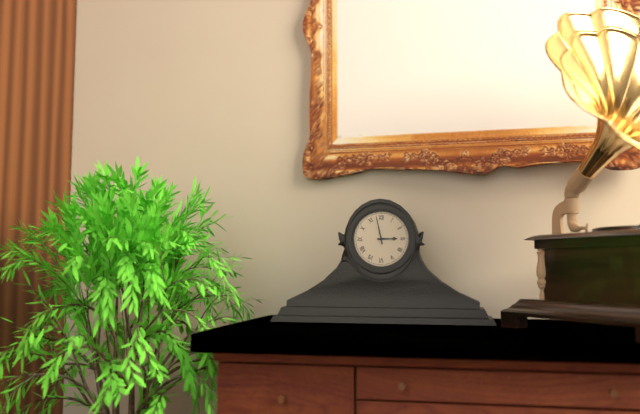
2:58
